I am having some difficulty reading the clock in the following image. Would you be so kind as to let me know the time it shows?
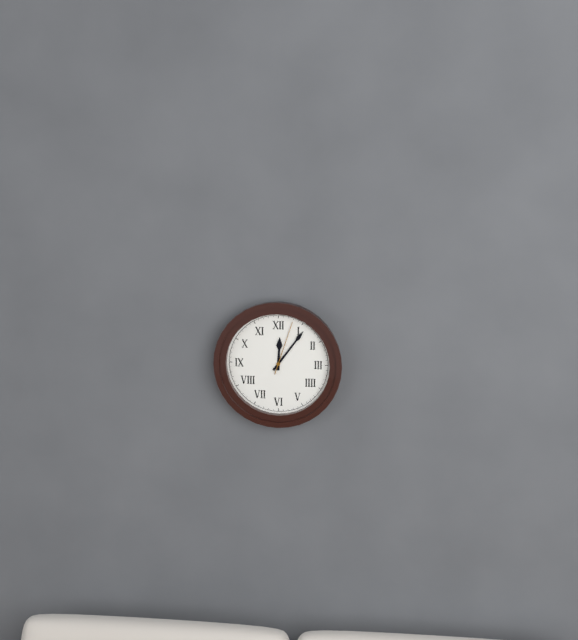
12:06:03
